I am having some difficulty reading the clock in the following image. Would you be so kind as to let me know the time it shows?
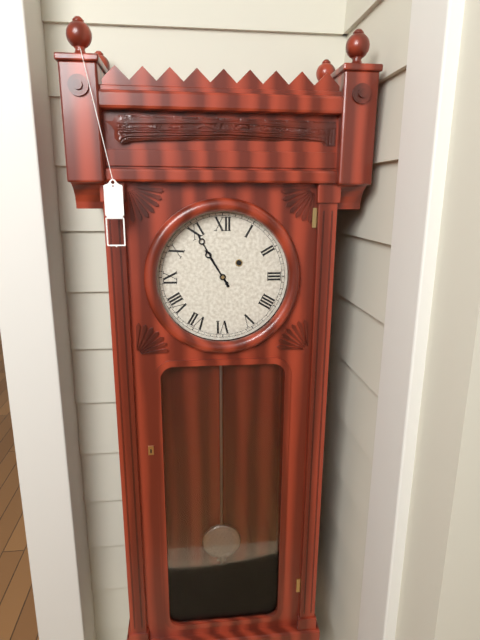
10:55
